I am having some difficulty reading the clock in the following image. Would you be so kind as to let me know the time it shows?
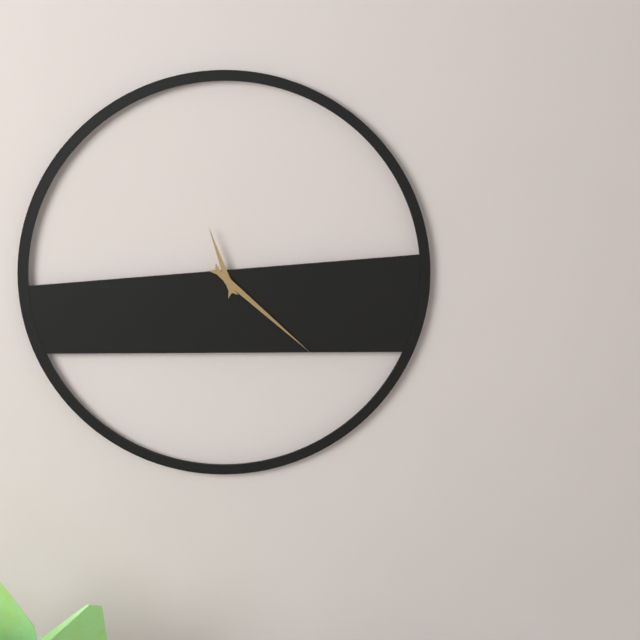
11:22
